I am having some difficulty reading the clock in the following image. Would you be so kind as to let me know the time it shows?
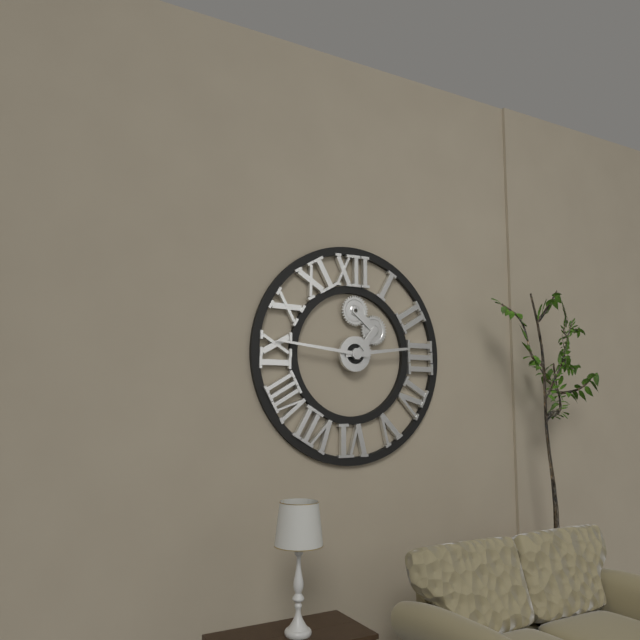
2:46
